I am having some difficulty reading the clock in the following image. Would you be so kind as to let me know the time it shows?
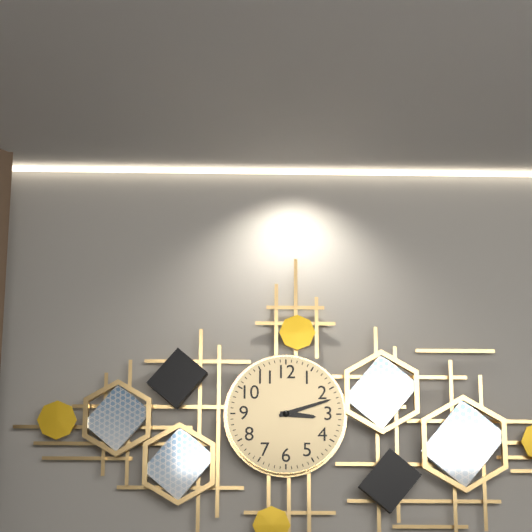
3:12
